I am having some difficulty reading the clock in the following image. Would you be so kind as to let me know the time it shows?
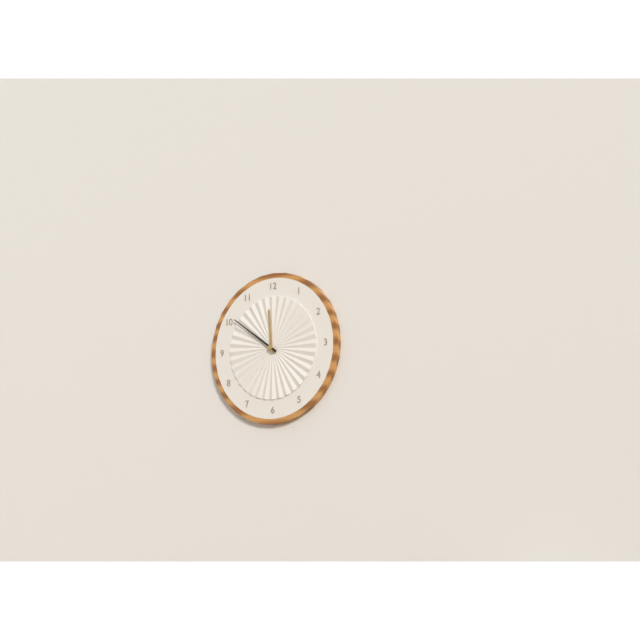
11:51
